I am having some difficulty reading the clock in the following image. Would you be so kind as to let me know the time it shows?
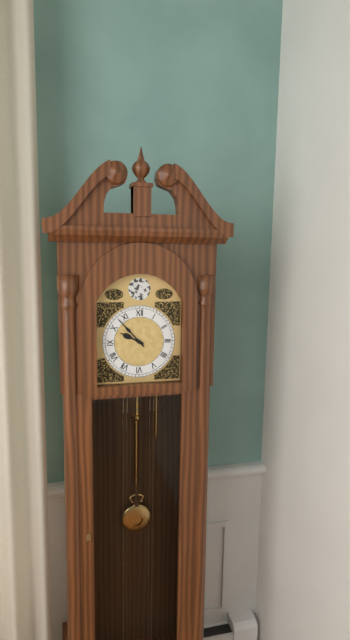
9:53
